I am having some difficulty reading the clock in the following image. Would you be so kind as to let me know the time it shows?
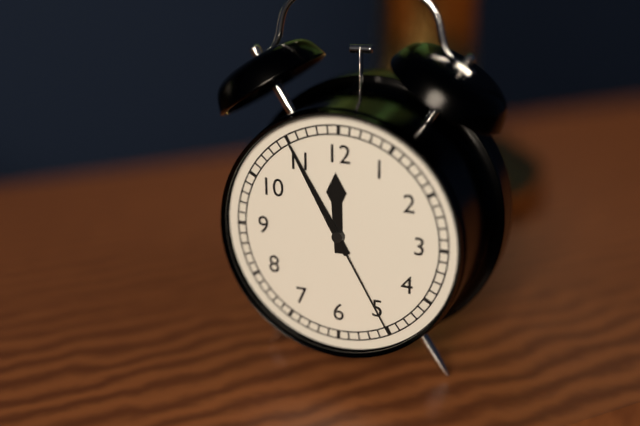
11:55:25
